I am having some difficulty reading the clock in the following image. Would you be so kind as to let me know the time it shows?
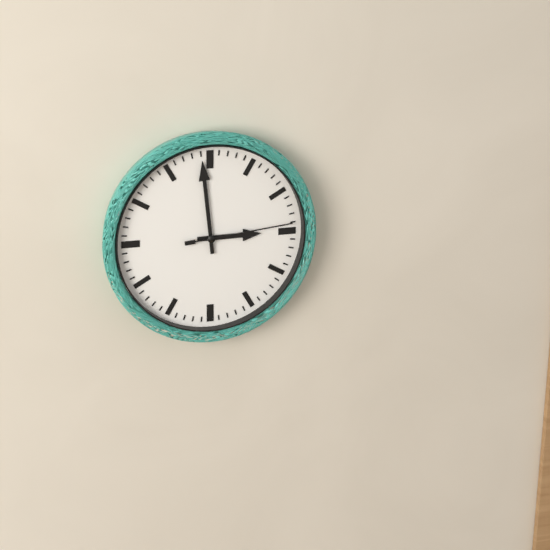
2:59:14
